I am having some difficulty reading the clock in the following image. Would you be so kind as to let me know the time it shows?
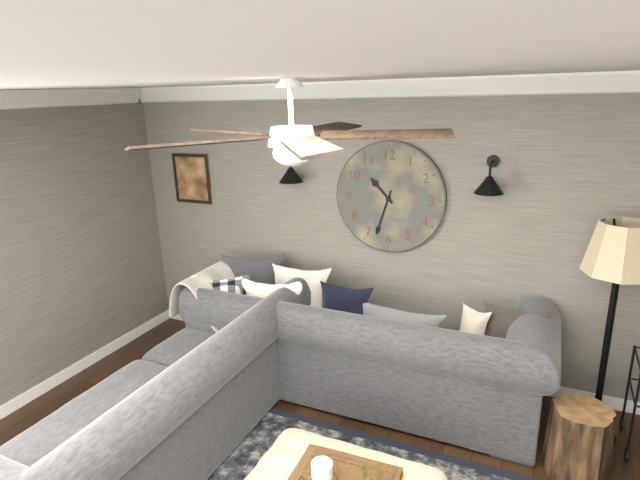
10:33
